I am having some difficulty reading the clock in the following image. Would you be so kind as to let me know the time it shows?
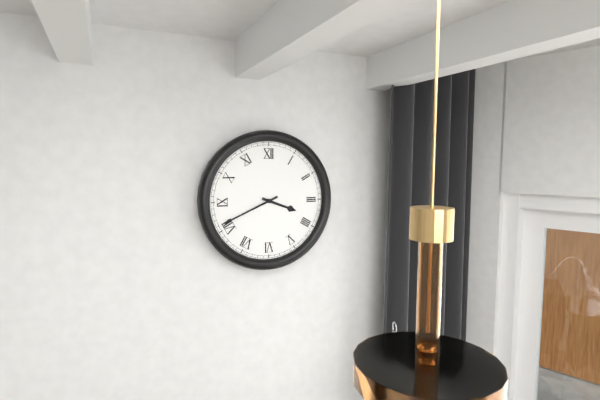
3:41
